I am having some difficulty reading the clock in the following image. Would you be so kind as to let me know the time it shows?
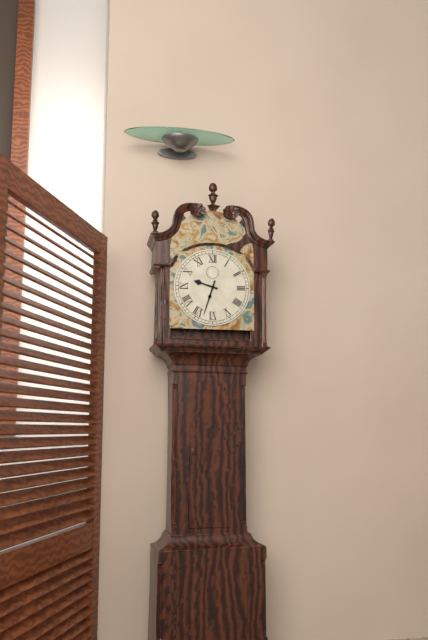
9:33
